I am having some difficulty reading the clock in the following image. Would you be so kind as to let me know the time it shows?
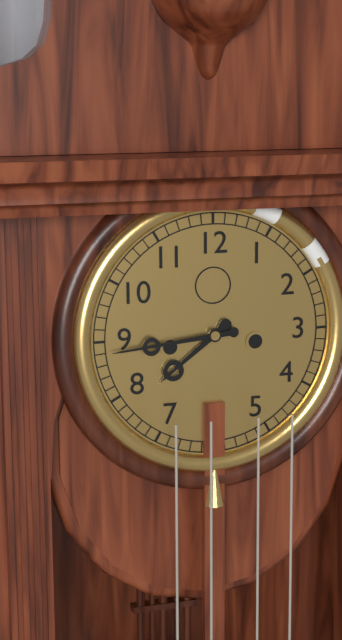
7:44
